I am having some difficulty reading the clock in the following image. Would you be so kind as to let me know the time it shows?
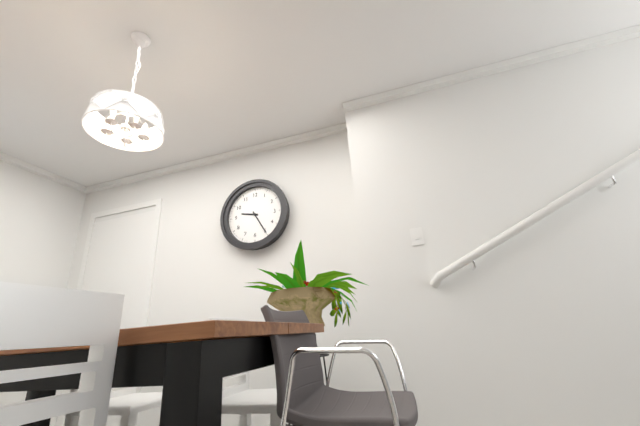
9:25
